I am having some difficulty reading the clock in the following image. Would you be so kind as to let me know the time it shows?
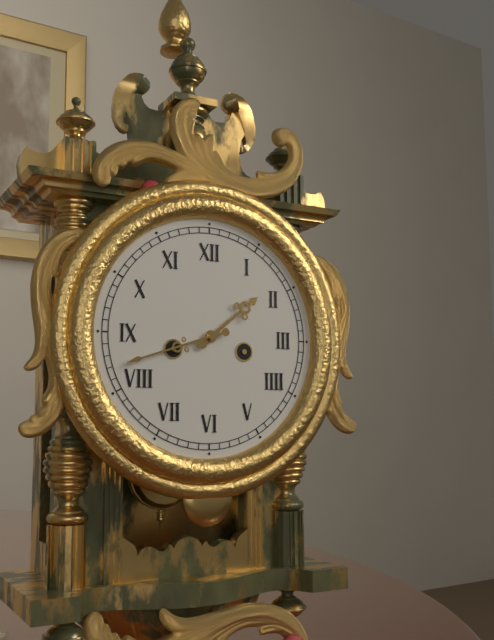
1:42
